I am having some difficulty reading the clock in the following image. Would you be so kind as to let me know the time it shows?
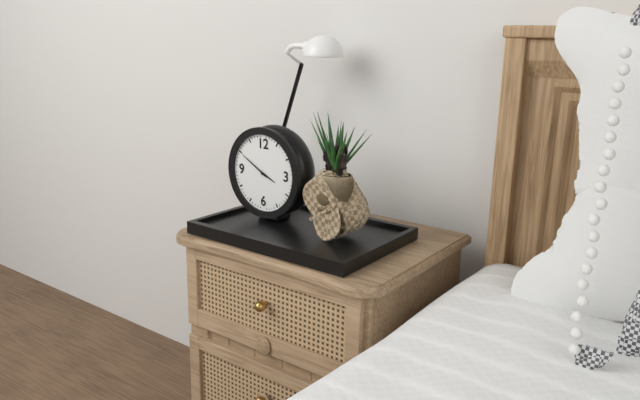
3:50
